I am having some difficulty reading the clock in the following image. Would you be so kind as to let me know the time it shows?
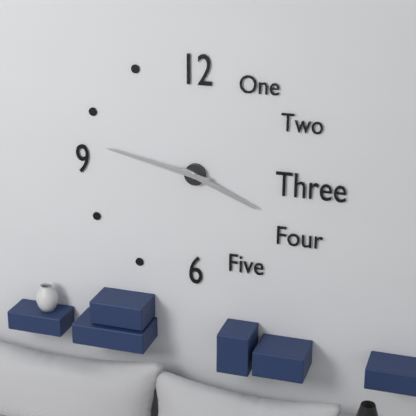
3:47
